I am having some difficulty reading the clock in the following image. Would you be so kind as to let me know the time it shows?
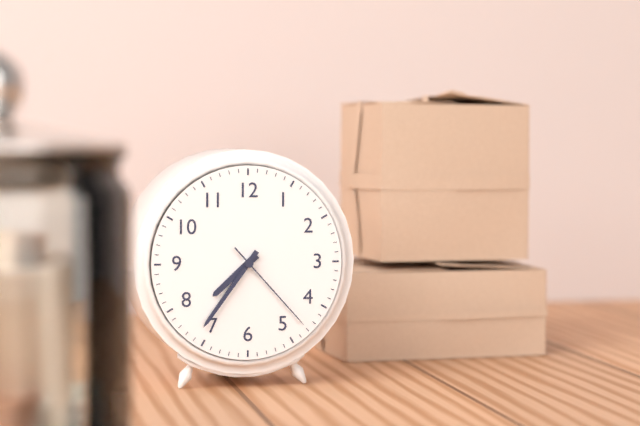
7:36:23
